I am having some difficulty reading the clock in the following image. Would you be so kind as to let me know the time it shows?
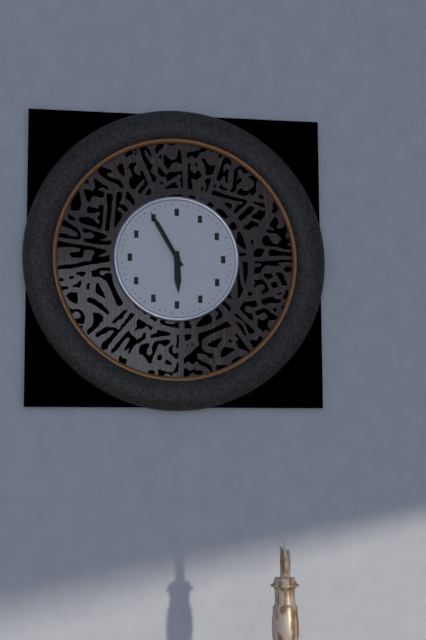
5:55
